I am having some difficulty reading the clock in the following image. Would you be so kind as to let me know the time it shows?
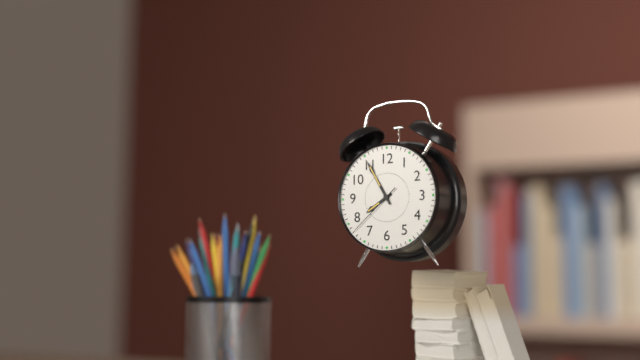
7:55:38
